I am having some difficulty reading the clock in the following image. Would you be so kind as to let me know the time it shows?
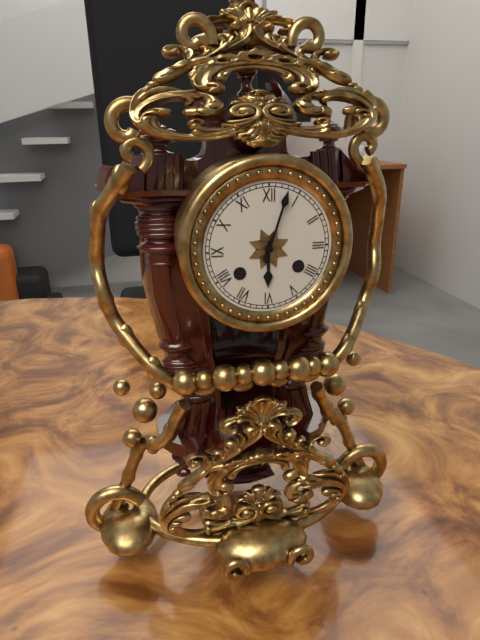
6:03
